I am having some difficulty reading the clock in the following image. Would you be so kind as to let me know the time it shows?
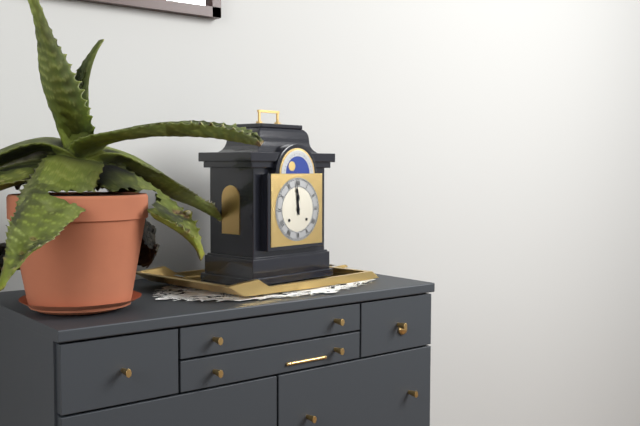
11:59
